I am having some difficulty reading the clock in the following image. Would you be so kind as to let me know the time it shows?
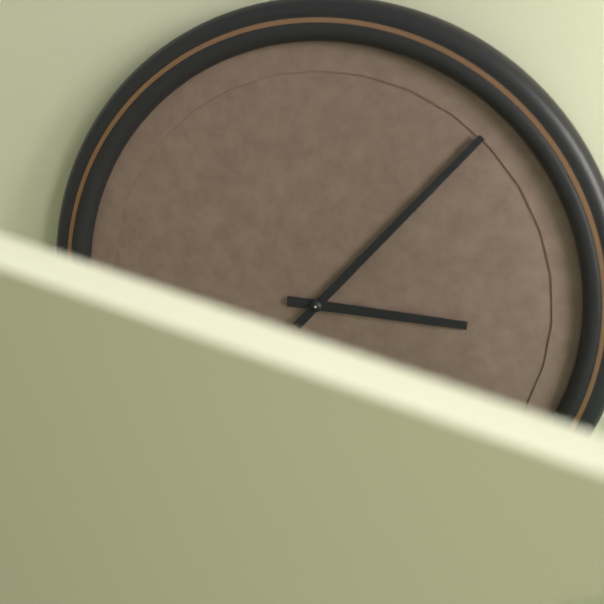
3:07
